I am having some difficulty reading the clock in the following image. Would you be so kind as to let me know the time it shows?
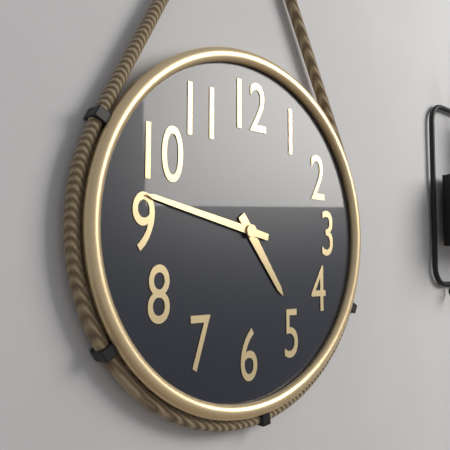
4:47
